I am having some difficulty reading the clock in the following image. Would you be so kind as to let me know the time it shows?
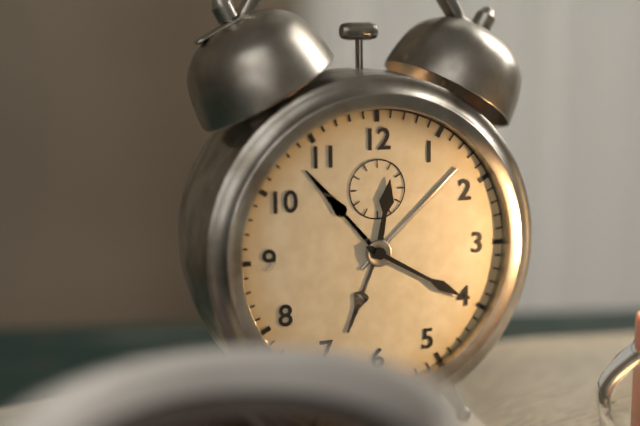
12:20
